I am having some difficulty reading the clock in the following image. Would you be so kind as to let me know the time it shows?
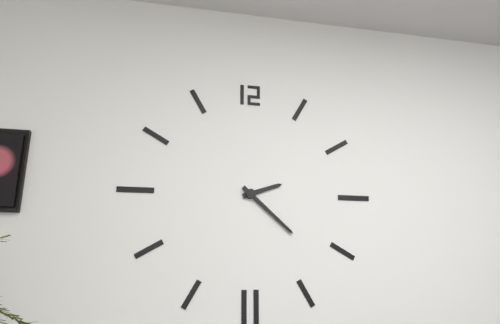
2:22
